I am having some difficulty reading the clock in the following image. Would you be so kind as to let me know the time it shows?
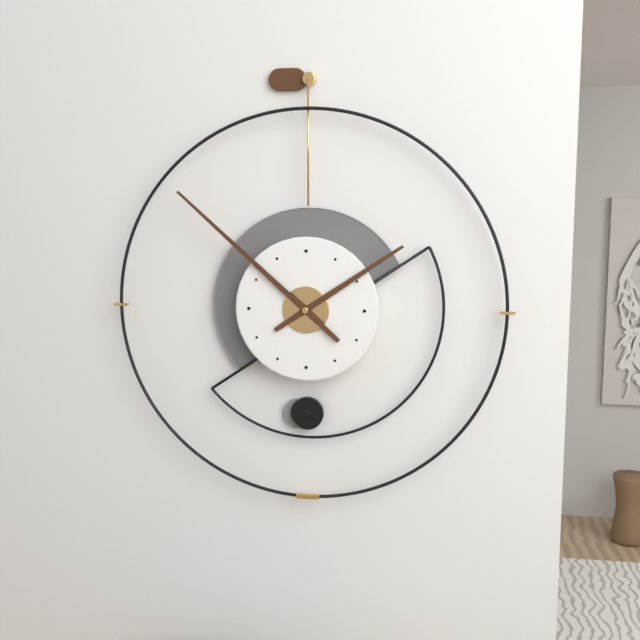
1:52
